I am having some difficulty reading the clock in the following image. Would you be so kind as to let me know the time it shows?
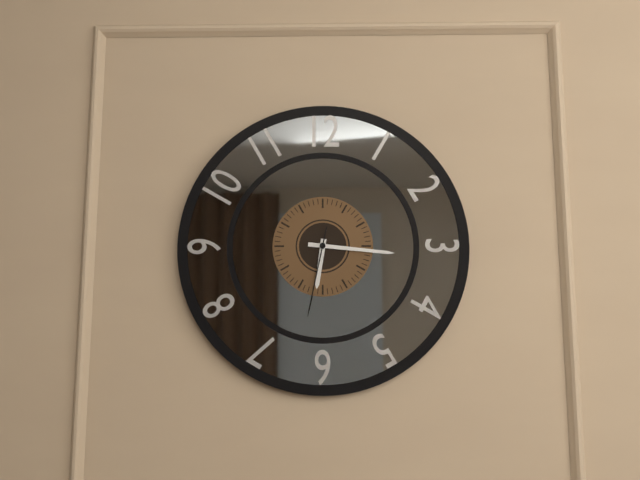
6:16:32
